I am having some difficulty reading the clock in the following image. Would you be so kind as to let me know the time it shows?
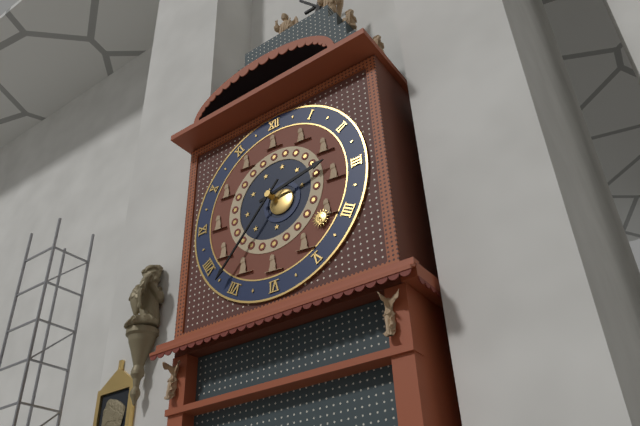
2:37
